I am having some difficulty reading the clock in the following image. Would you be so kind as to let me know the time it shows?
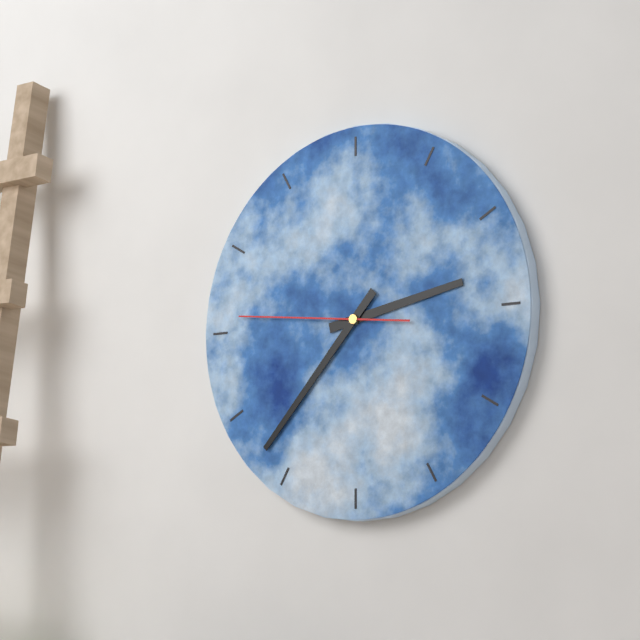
2:37:46
